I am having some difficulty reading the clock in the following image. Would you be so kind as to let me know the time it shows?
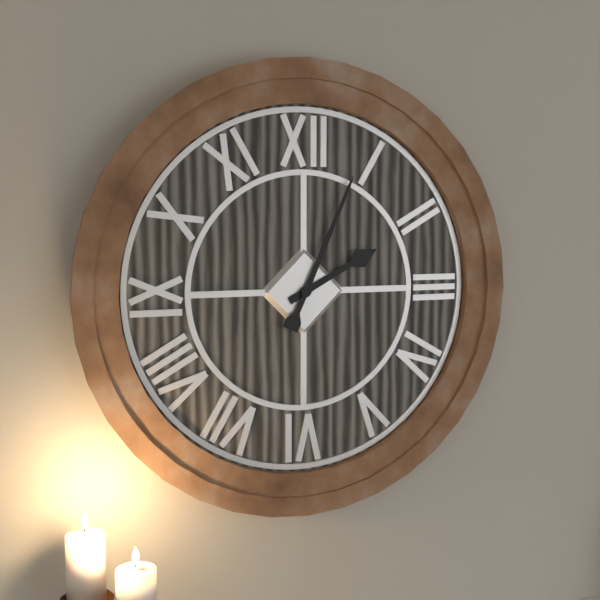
2:04
